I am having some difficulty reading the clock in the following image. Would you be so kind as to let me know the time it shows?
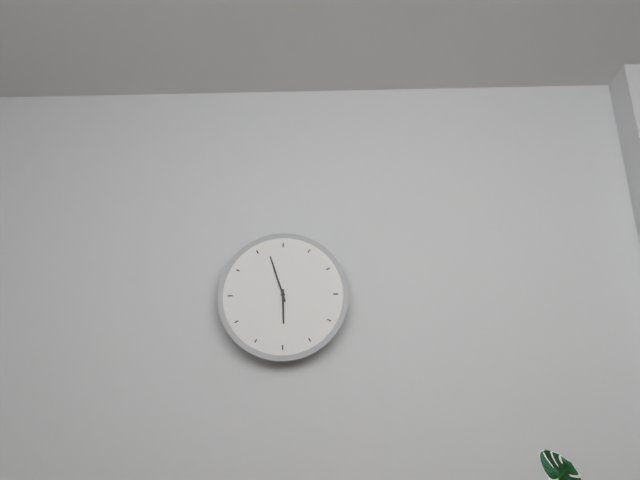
5:57
